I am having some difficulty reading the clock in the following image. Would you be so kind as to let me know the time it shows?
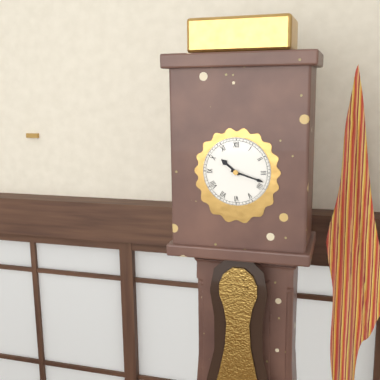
10:18
